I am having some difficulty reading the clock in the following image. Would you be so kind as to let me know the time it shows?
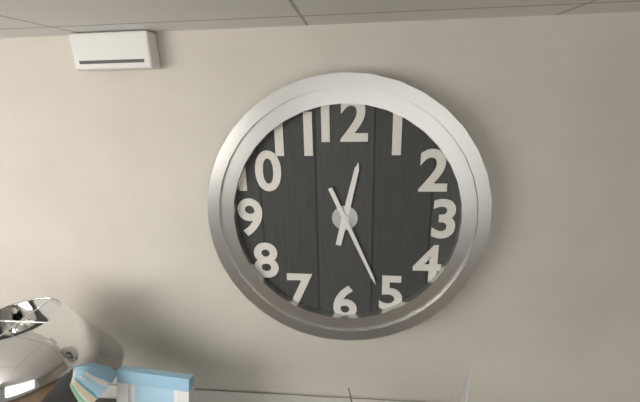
12:26
